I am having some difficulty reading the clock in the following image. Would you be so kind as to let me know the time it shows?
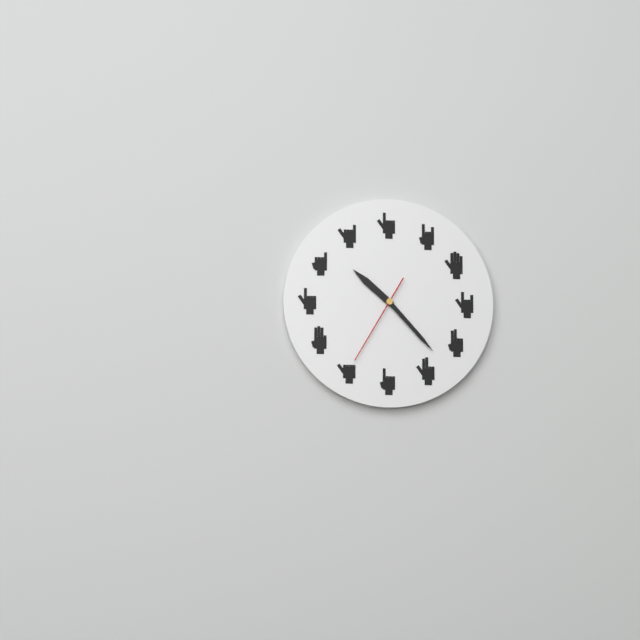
10:23:35
